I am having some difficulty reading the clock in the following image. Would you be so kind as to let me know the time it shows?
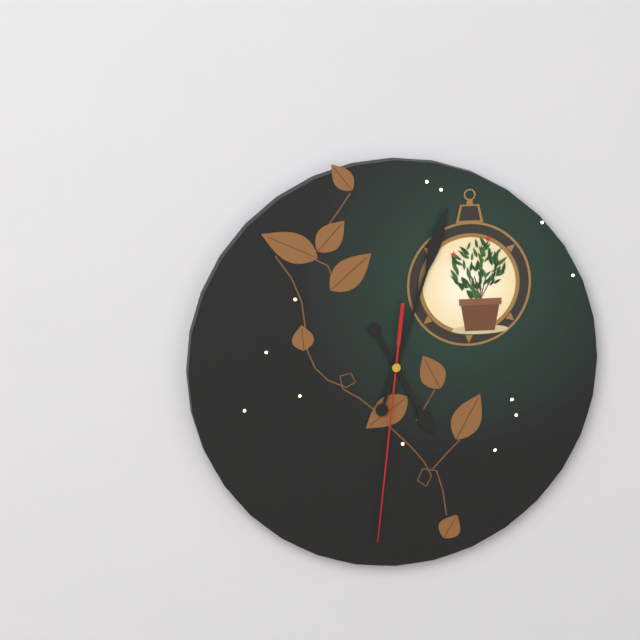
5:03:31
